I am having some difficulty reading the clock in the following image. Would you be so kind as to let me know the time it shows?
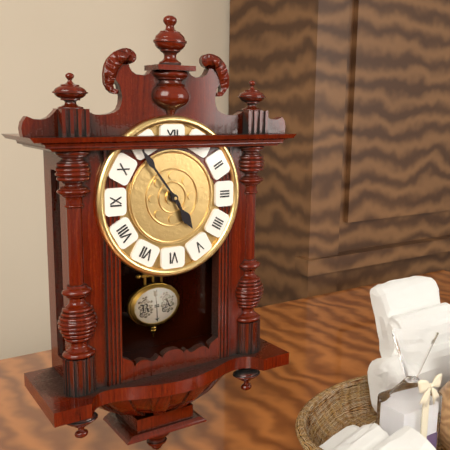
4:54
